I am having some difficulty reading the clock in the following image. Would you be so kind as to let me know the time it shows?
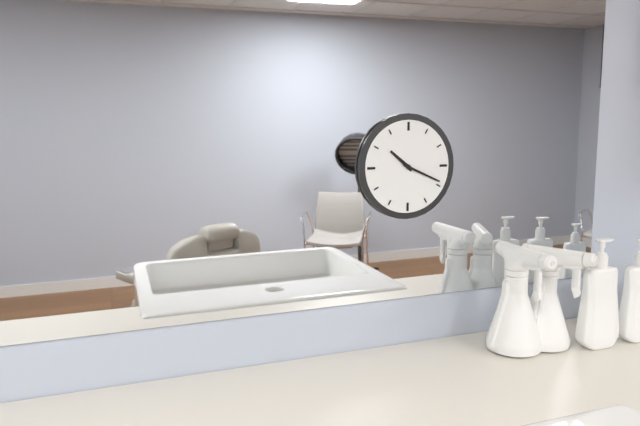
10:19
